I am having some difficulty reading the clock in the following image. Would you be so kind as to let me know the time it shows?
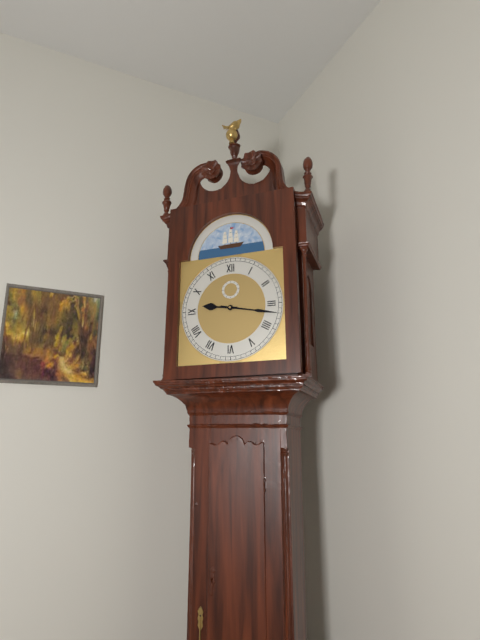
9:17
